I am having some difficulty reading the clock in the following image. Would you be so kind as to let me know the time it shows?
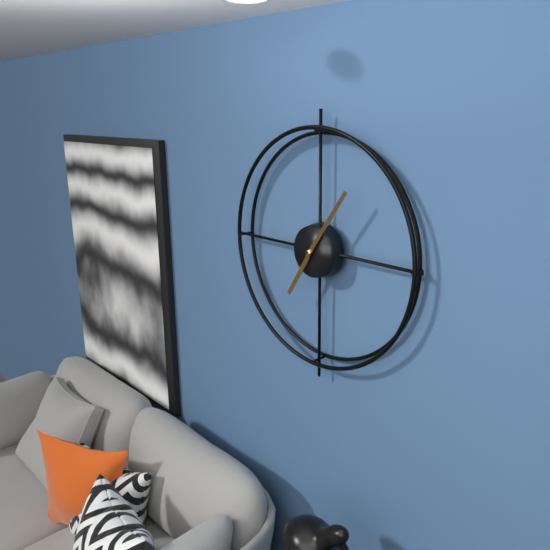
7:06
